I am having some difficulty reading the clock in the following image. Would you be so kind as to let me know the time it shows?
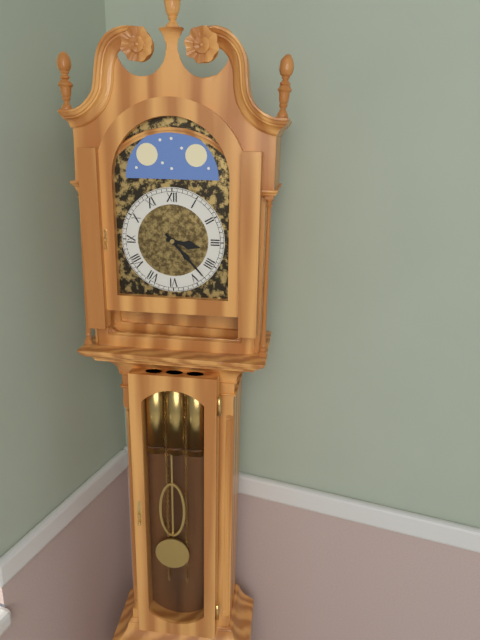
3:23
